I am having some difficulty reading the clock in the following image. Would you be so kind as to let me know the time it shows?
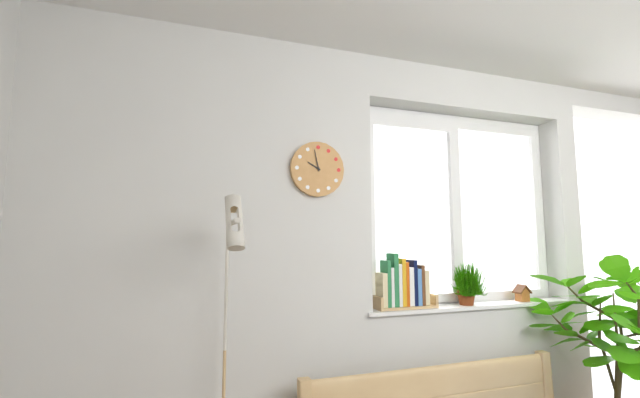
9:58
